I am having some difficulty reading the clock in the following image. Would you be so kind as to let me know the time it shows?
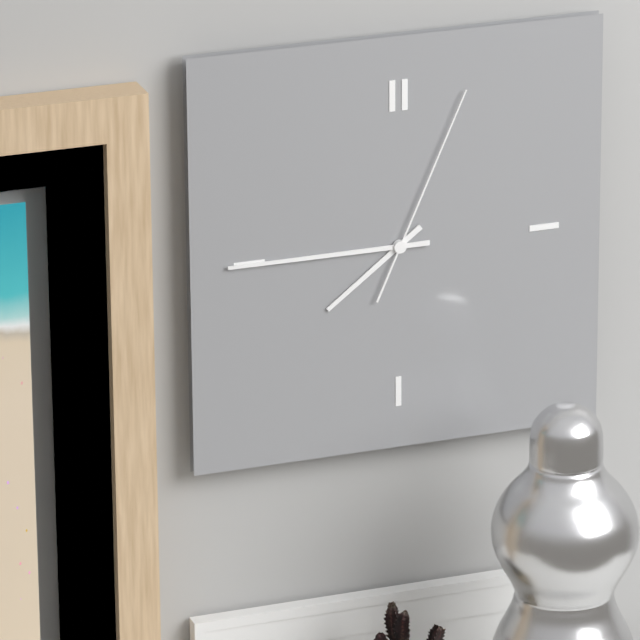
7:45:04
